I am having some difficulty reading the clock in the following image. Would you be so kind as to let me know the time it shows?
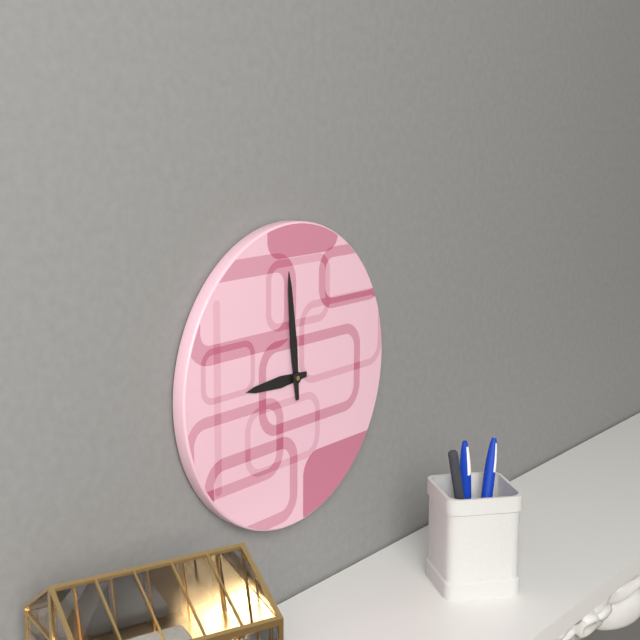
8:59
